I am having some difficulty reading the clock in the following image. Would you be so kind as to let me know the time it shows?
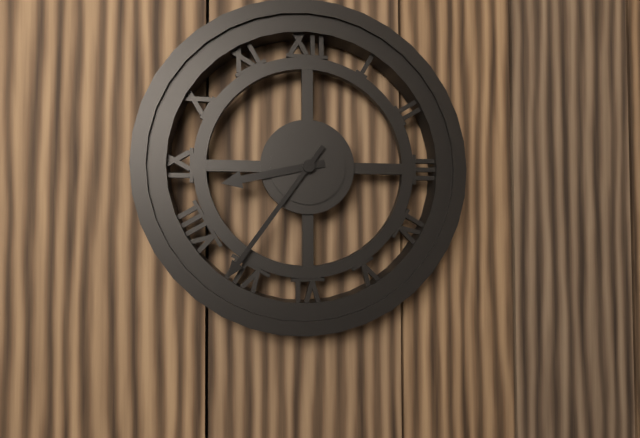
8:36
